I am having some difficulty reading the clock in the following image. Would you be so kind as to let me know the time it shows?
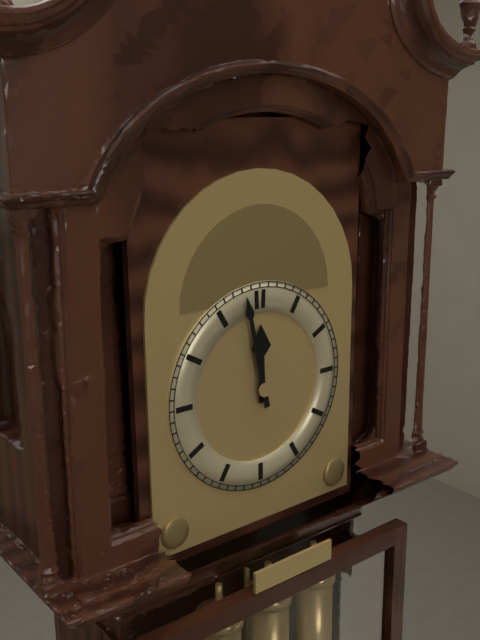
11:58
